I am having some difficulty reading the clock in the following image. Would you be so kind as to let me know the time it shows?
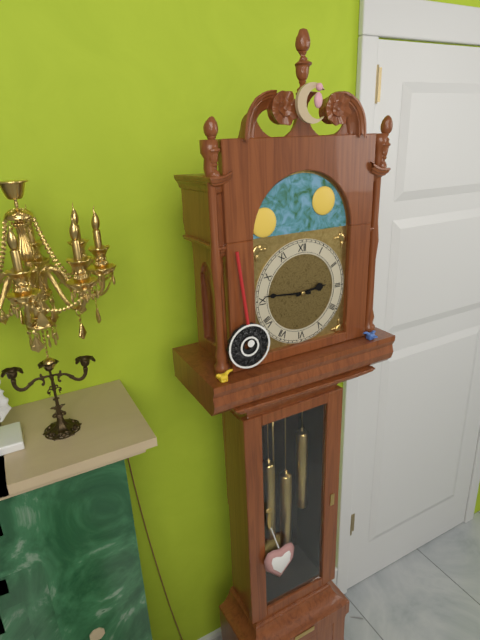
2:46
